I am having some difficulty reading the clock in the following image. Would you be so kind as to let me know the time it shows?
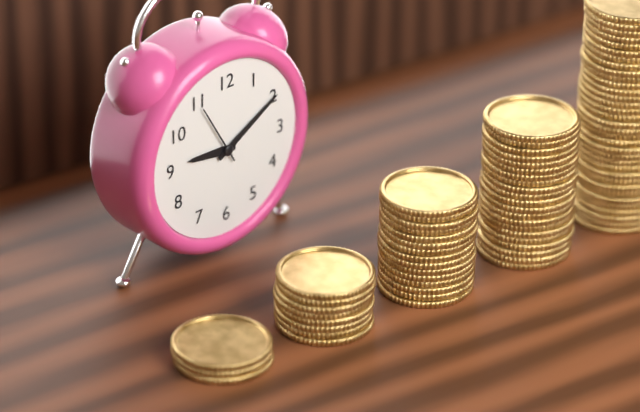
9:10:55
